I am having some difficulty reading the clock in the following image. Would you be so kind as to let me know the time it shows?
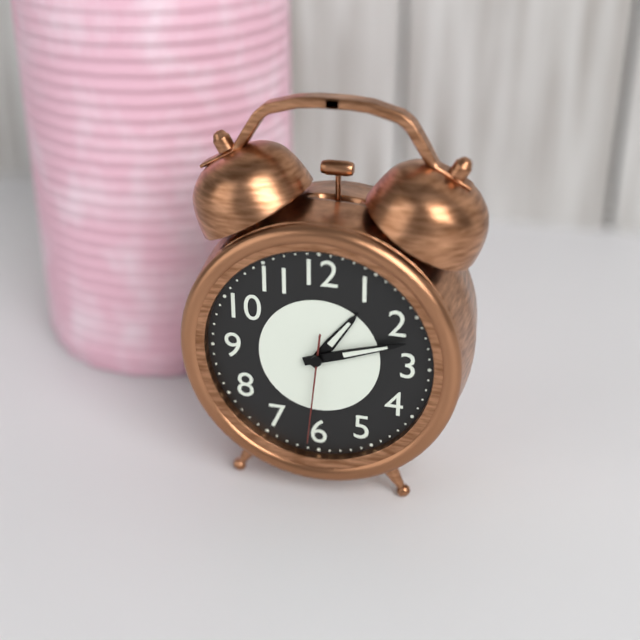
1:12:31
